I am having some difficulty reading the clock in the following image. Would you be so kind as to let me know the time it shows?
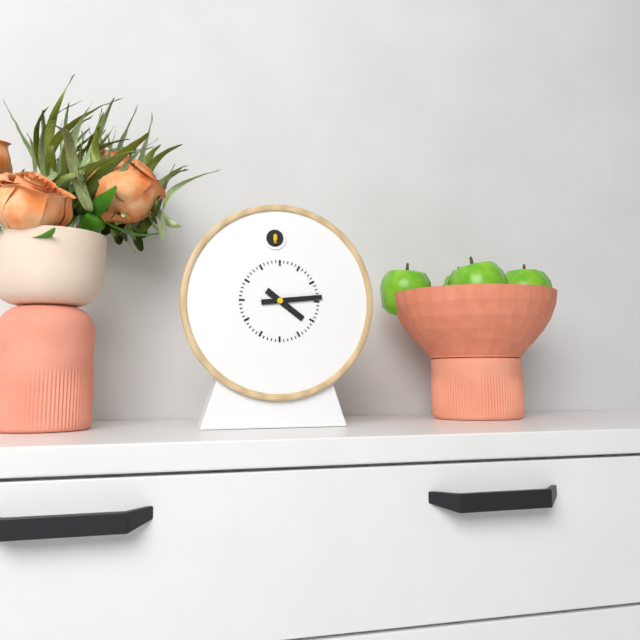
4:14
